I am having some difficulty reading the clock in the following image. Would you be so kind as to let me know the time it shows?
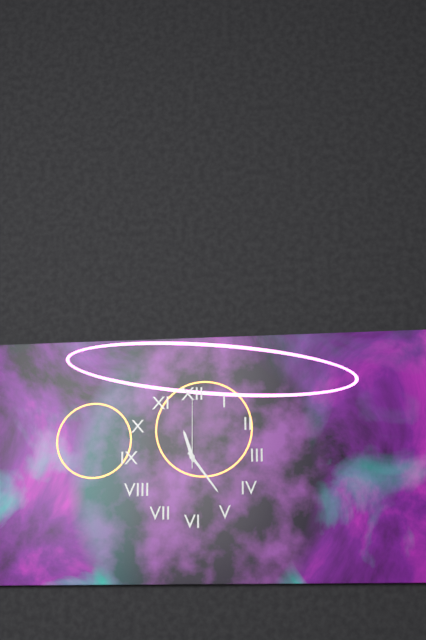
11:24:00
